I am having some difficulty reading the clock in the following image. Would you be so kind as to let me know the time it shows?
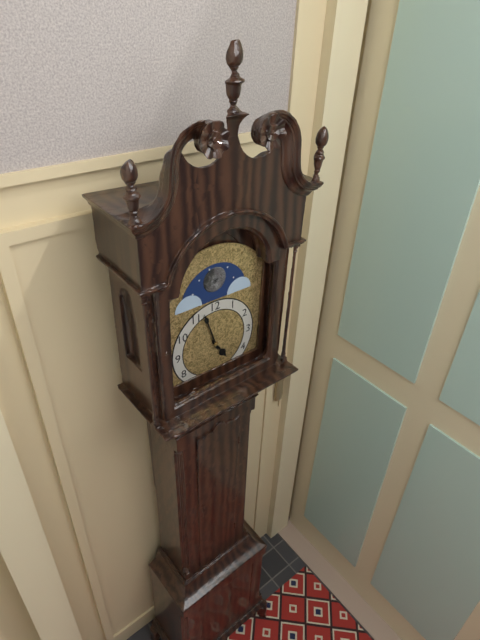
4:57
